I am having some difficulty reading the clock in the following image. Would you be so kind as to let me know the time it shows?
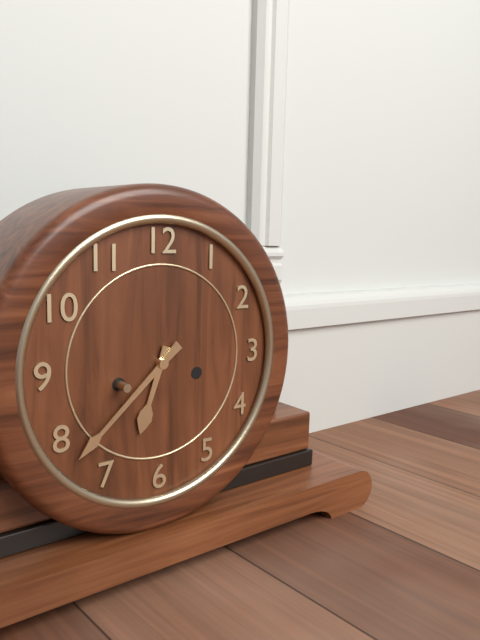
6:38
